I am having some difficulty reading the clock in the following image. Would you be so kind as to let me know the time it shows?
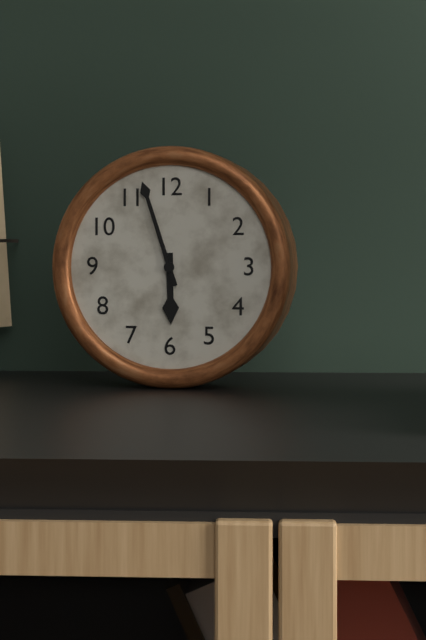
5:57
